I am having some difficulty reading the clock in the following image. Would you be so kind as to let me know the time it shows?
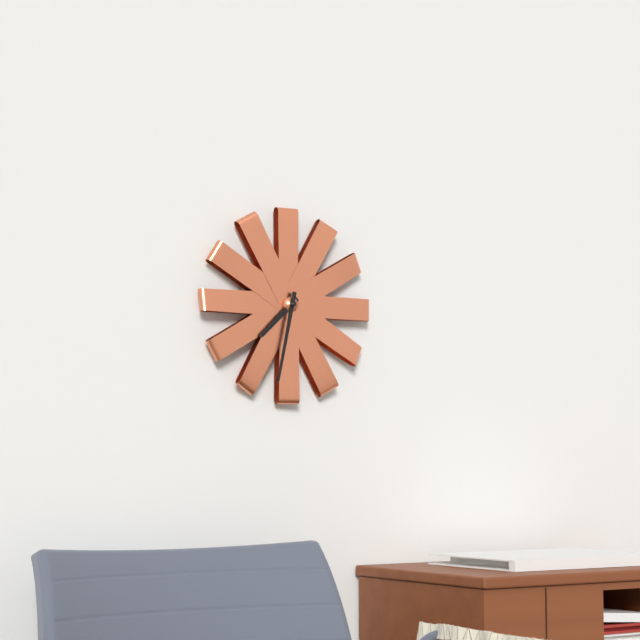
7:32
